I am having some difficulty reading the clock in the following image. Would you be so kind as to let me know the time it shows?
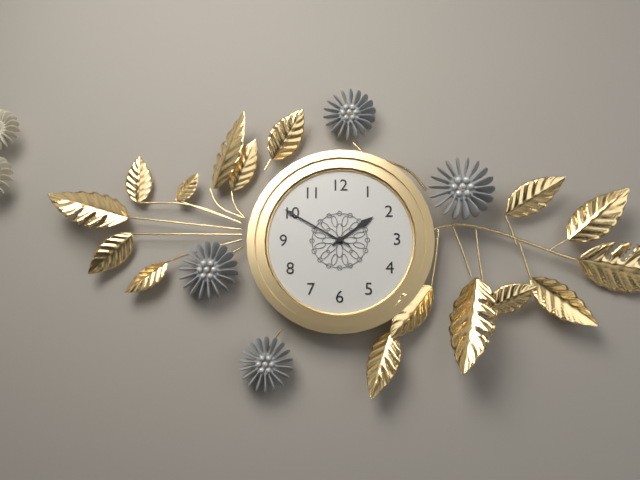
1:50
